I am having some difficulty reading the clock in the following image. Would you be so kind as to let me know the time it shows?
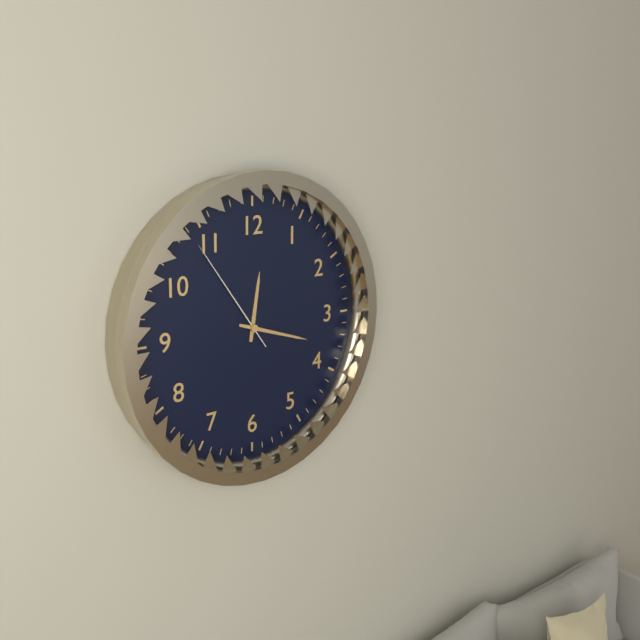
12:18:54
